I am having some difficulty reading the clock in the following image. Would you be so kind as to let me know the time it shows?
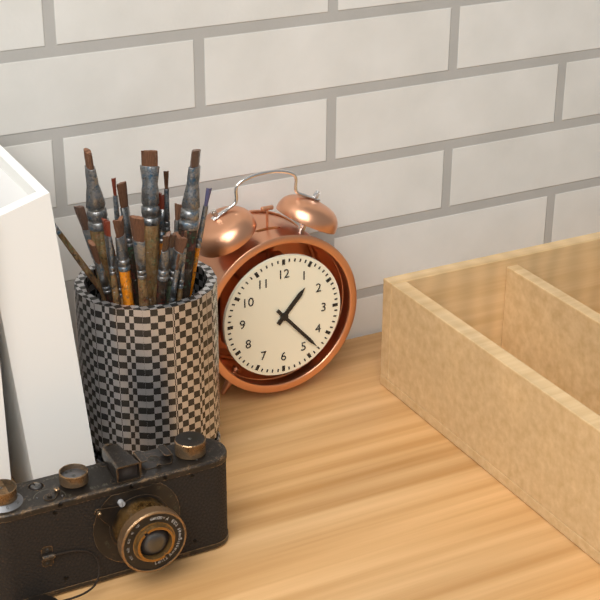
1:23
